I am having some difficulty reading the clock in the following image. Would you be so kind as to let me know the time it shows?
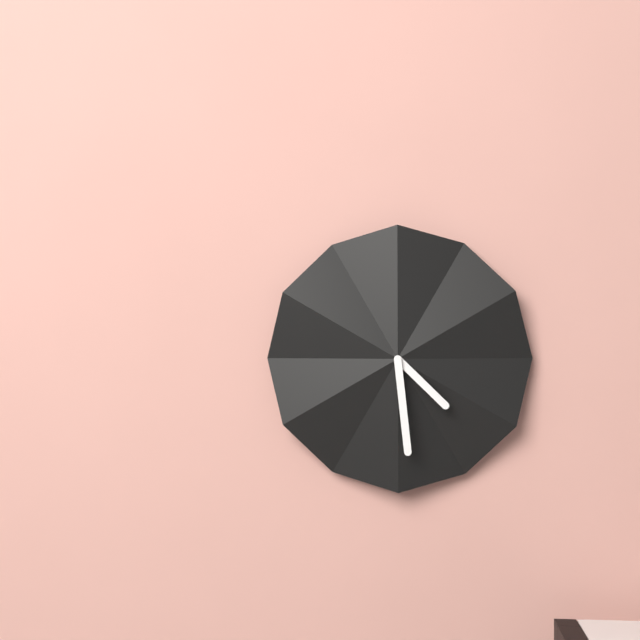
4:29
